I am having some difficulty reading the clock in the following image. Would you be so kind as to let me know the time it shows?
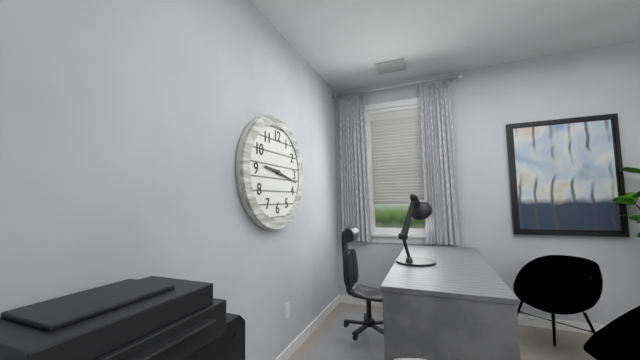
9:17
